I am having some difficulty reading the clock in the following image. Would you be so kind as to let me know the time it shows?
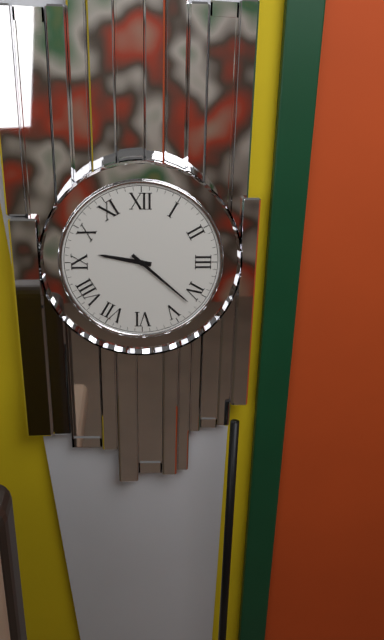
9:22
